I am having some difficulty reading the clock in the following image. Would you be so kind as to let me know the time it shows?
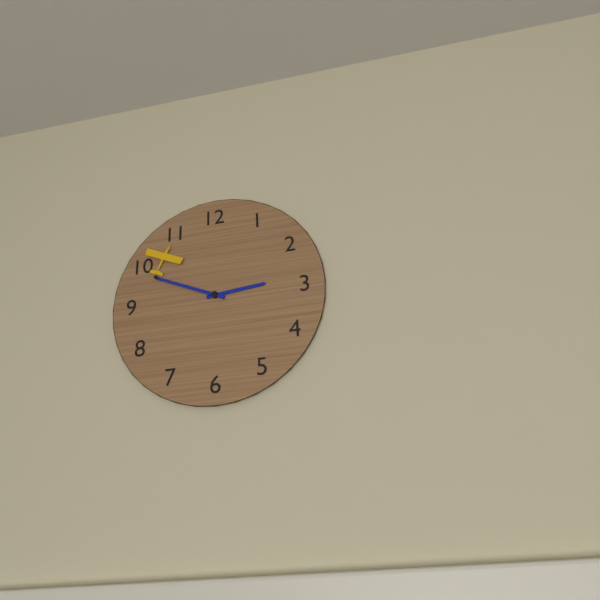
2:49
